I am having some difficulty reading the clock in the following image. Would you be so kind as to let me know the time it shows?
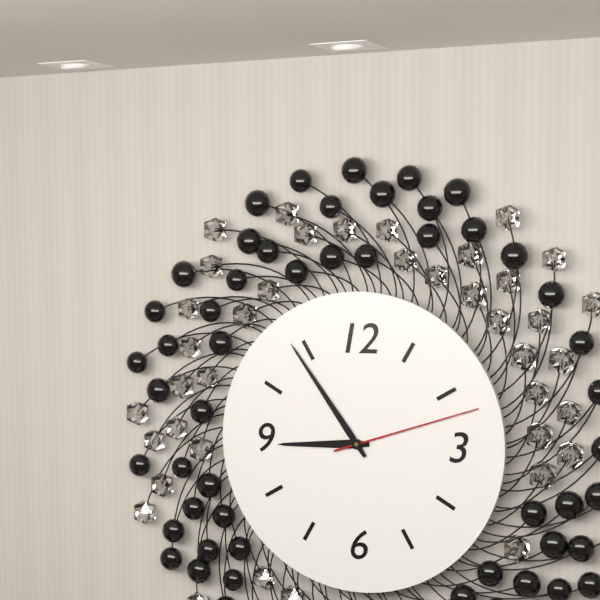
8:54:12
